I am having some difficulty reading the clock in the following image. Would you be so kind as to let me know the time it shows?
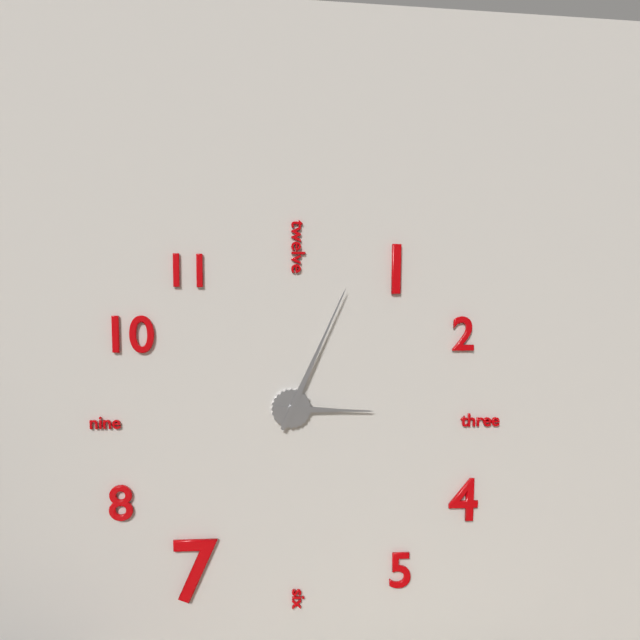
3:04
